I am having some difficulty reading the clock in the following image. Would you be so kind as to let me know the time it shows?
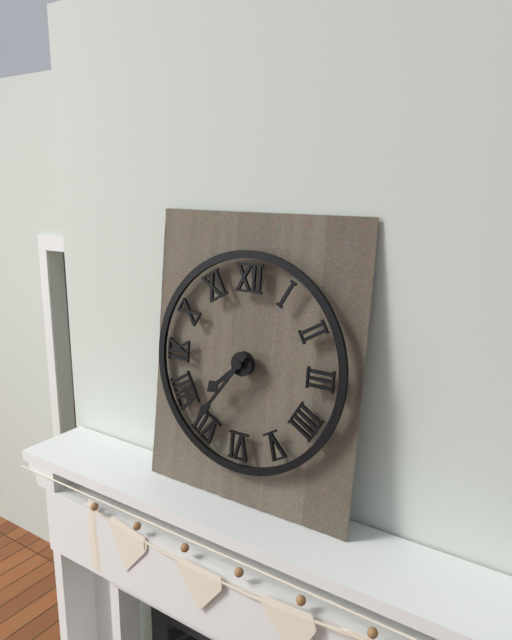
7:36
